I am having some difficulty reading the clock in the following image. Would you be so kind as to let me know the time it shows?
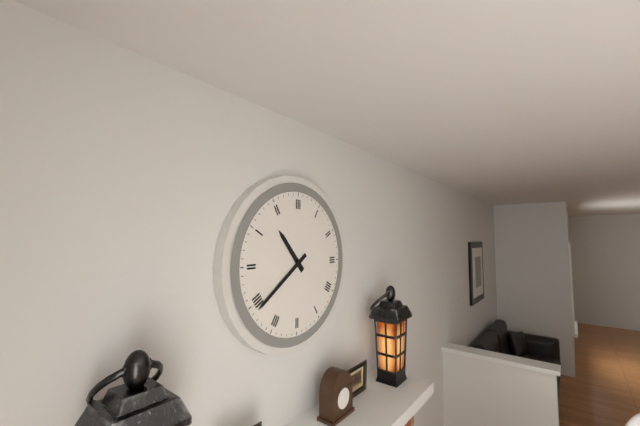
10:39
